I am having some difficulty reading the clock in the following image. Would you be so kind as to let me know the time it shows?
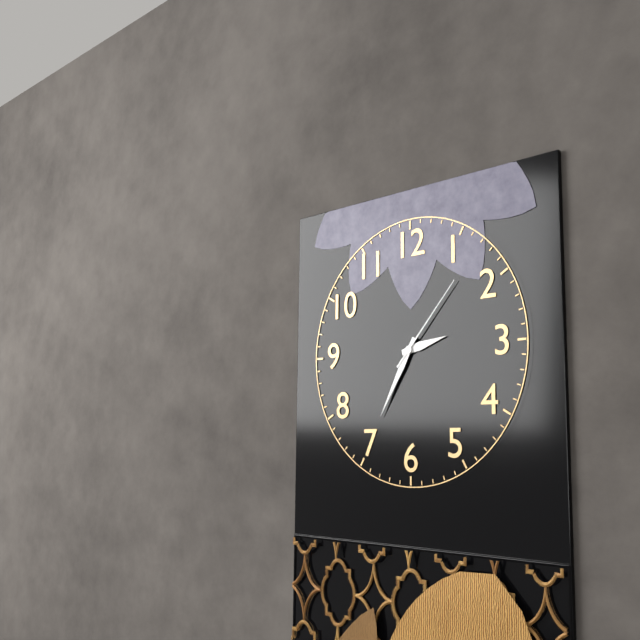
2:35:07
